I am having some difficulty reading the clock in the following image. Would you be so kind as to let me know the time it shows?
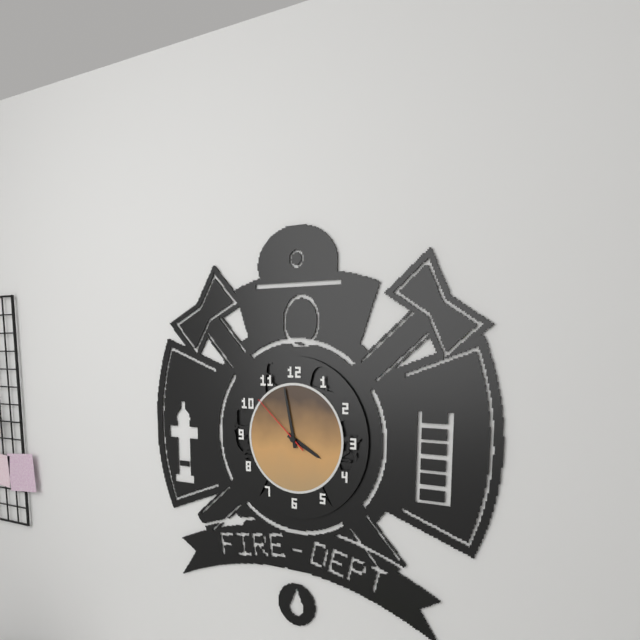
3:58:52
